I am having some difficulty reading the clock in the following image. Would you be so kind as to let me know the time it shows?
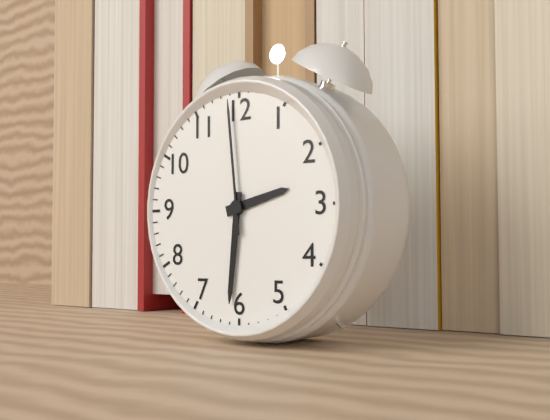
2:31:59
